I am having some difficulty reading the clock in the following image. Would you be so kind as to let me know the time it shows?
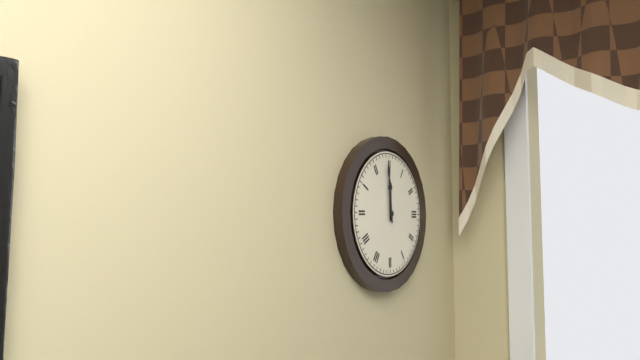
11:59
